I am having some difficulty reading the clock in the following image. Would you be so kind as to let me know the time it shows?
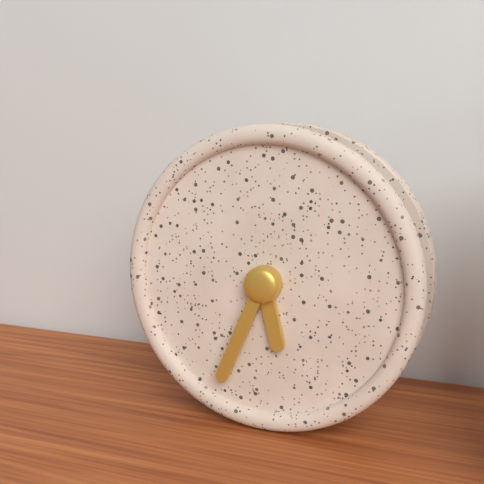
5:34
